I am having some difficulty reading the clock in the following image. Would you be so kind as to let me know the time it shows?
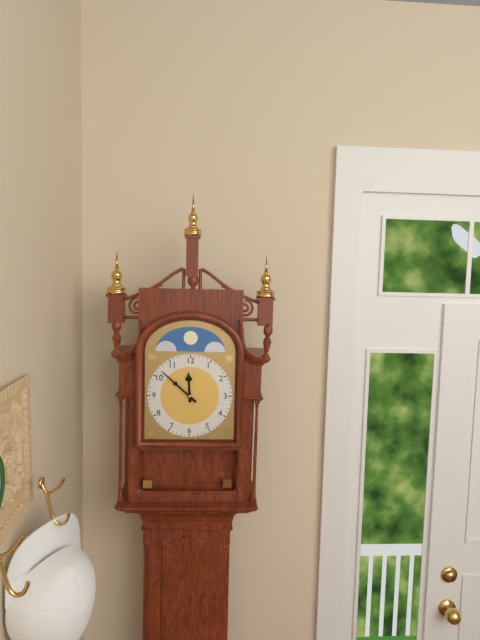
11:52
